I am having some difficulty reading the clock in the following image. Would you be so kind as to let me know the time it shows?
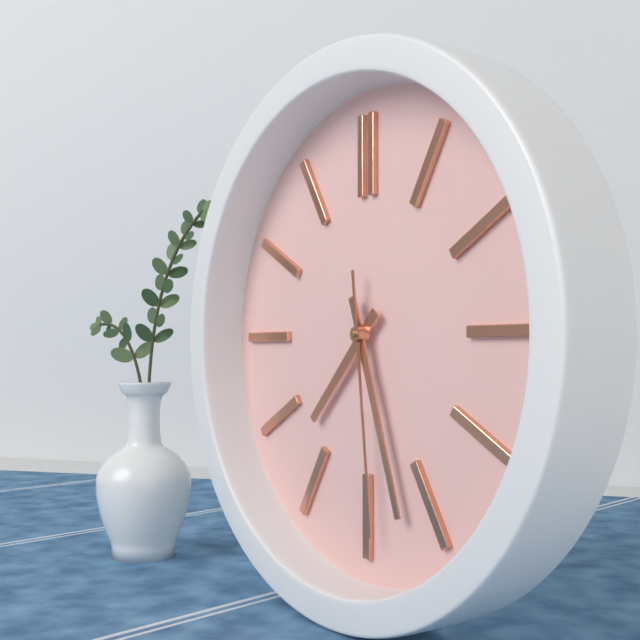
7:27:29
